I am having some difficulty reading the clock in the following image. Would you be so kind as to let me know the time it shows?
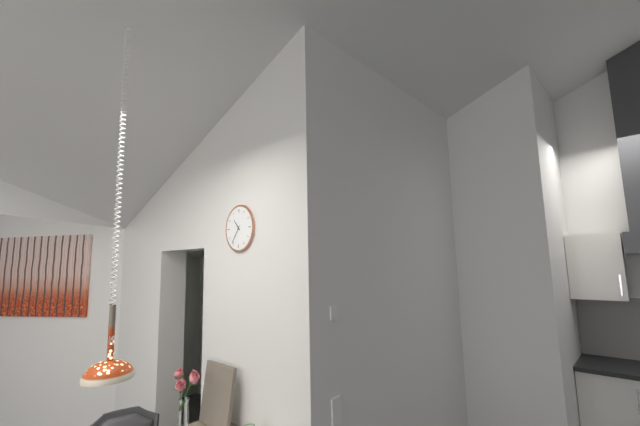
10:36
